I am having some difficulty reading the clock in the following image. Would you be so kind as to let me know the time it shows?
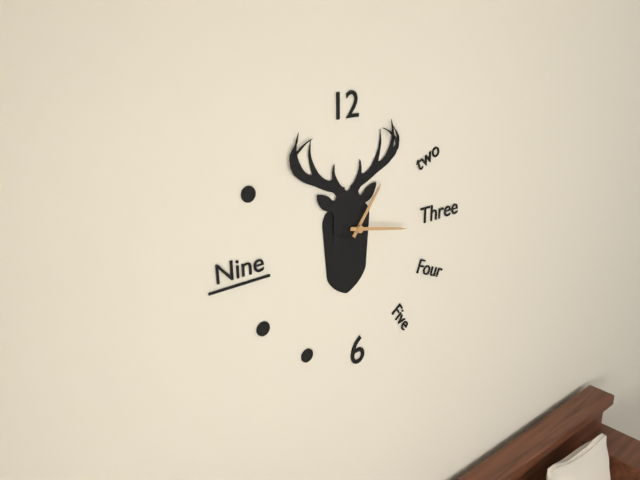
1:17
